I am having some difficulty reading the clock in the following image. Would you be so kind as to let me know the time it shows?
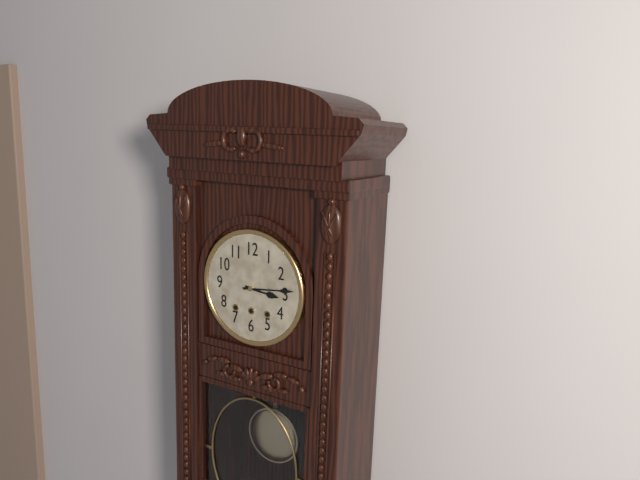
3:14
